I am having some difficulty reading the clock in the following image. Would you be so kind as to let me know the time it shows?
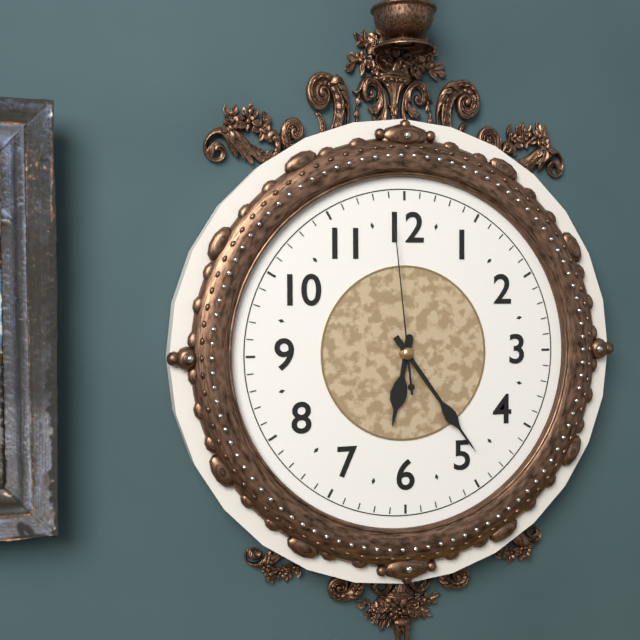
6:24:59
